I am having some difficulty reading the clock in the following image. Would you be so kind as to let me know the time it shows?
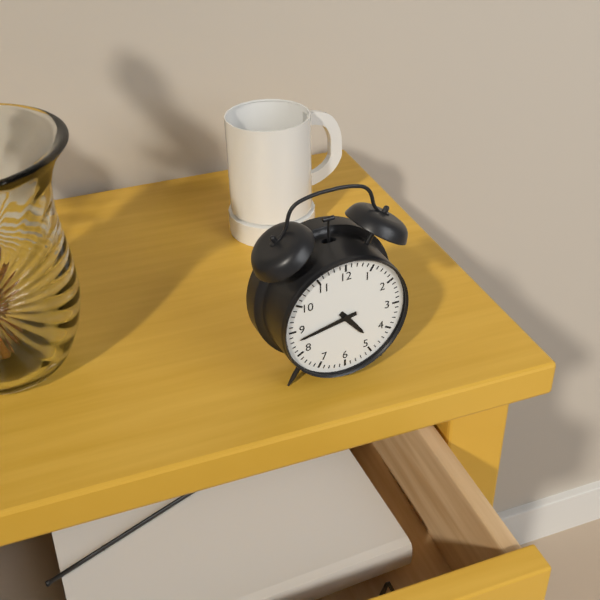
4:43
